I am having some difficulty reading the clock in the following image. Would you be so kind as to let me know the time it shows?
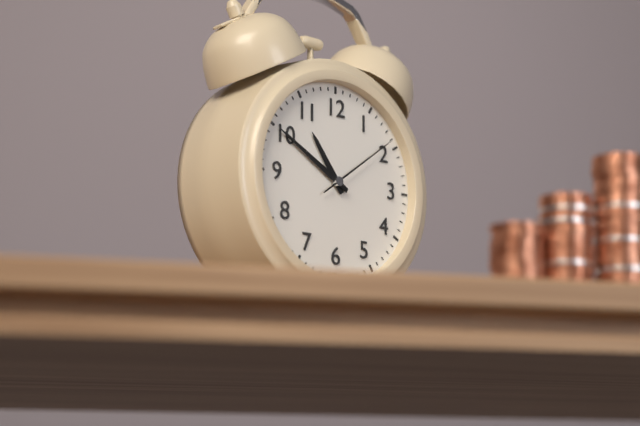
10:50:09
